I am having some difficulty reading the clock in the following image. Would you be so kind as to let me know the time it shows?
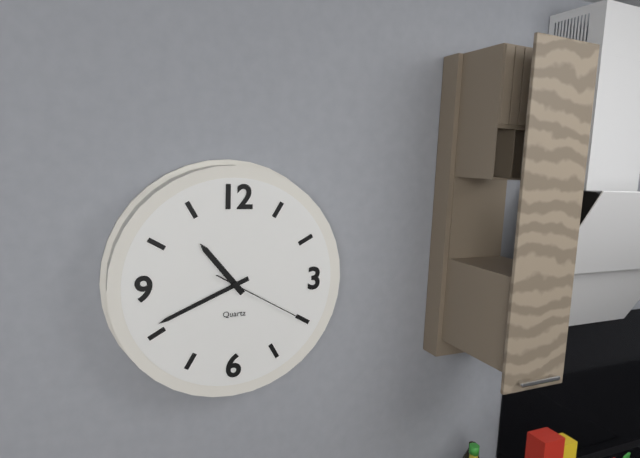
10:41:20
